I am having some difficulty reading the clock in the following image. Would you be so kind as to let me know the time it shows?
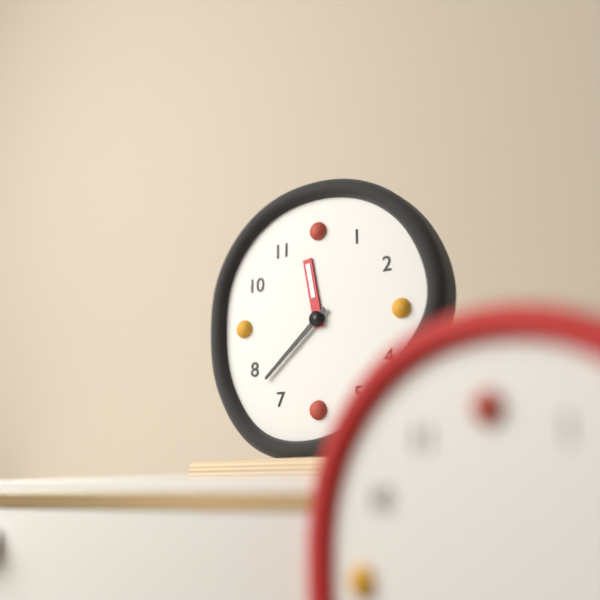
11:38
